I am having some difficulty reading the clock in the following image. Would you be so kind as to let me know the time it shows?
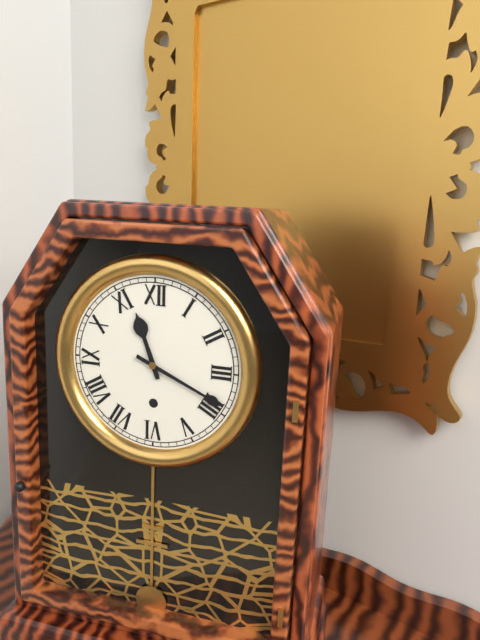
11:19
